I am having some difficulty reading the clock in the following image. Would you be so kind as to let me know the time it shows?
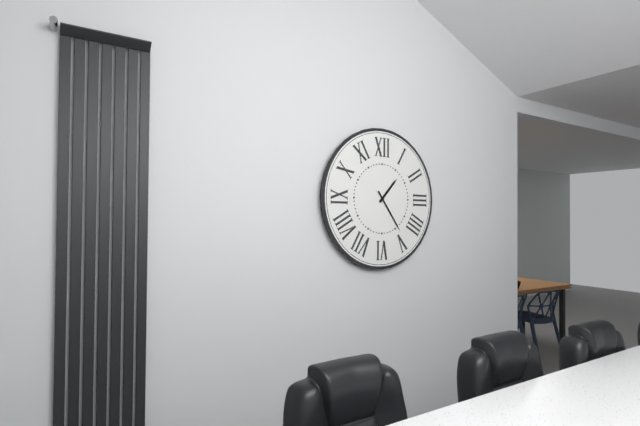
1:24
